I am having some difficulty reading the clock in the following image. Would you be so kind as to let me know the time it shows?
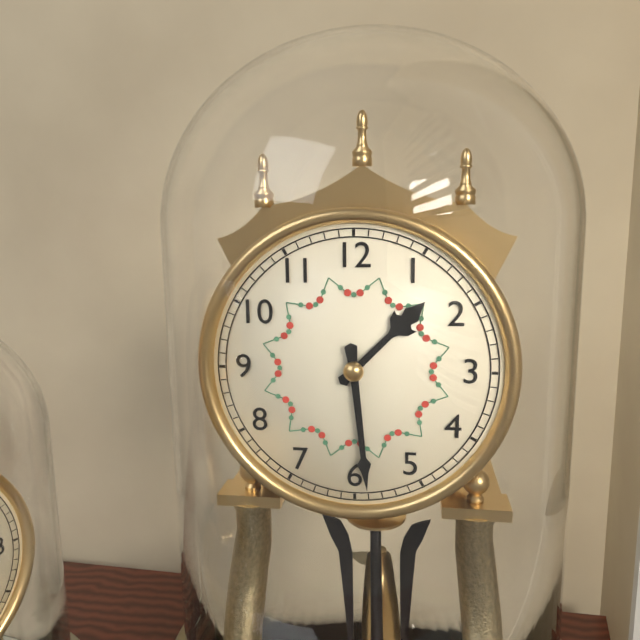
1:29
